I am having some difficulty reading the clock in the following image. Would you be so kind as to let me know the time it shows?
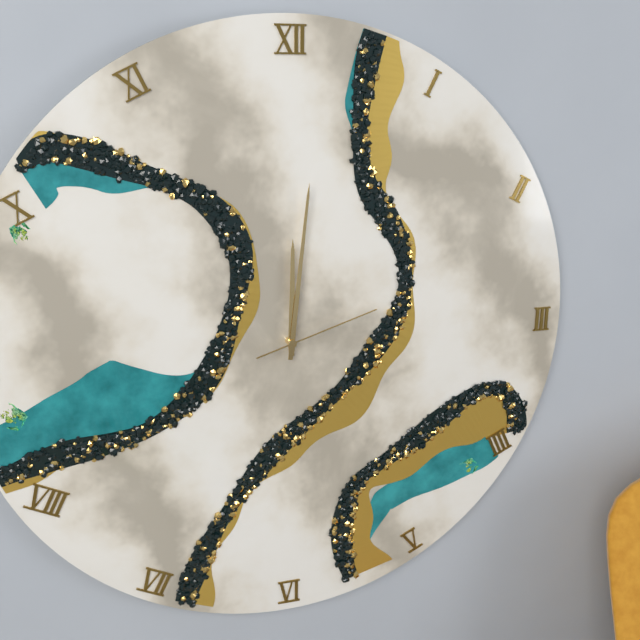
12:01:12
